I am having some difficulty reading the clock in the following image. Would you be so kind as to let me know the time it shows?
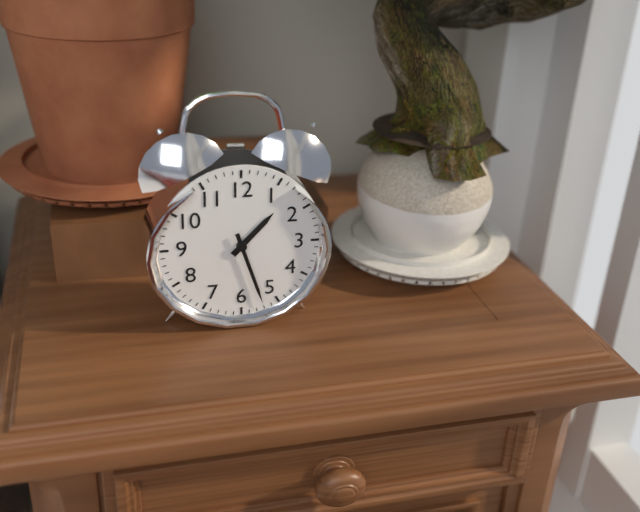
1:27
